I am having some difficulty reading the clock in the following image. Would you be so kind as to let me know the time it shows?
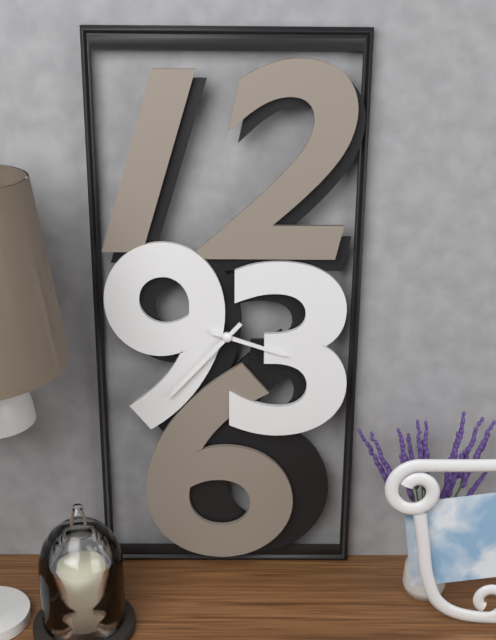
3:37
